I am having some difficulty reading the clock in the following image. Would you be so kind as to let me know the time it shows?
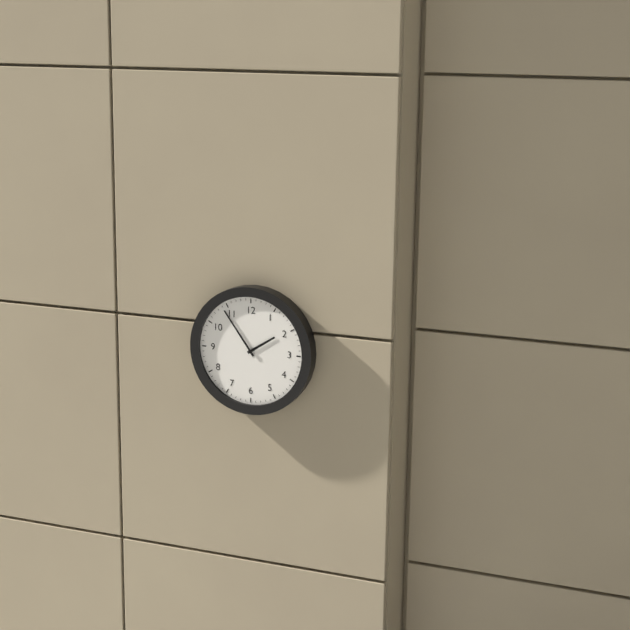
1:54
